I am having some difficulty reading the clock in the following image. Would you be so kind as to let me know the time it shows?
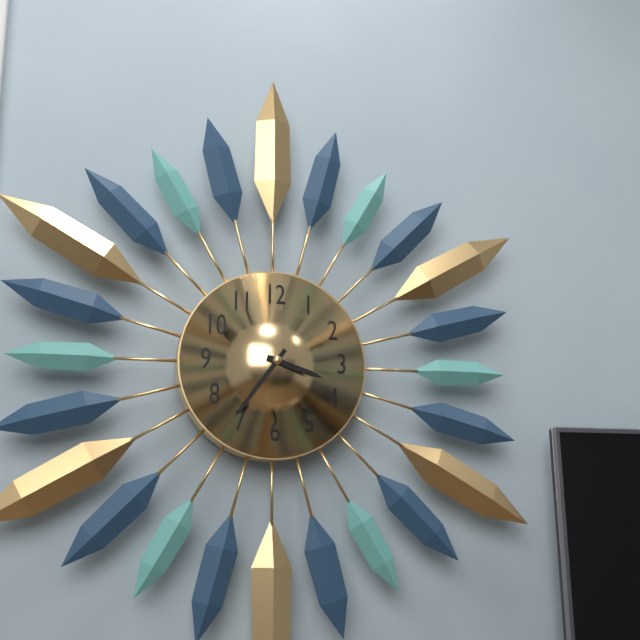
3:36
